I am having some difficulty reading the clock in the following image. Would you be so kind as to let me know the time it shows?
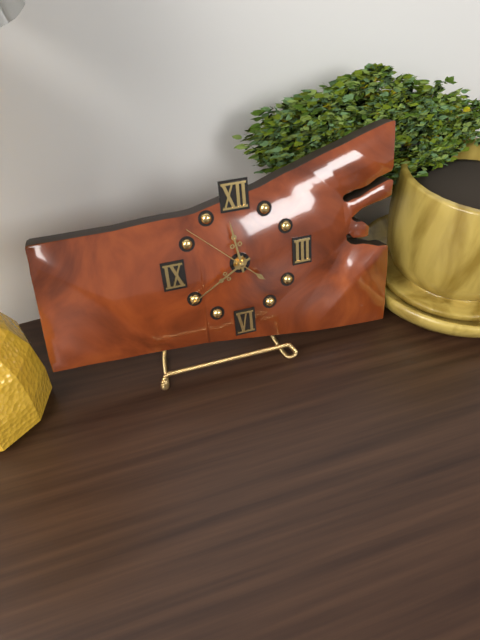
11:40:52
